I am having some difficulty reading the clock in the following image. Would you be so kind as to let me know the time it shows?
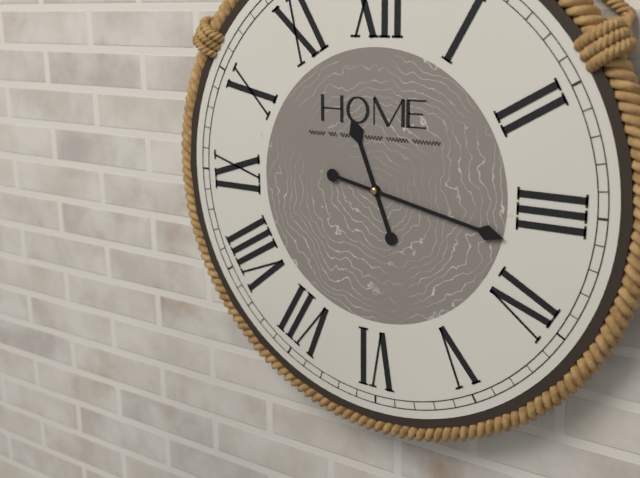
11:17
